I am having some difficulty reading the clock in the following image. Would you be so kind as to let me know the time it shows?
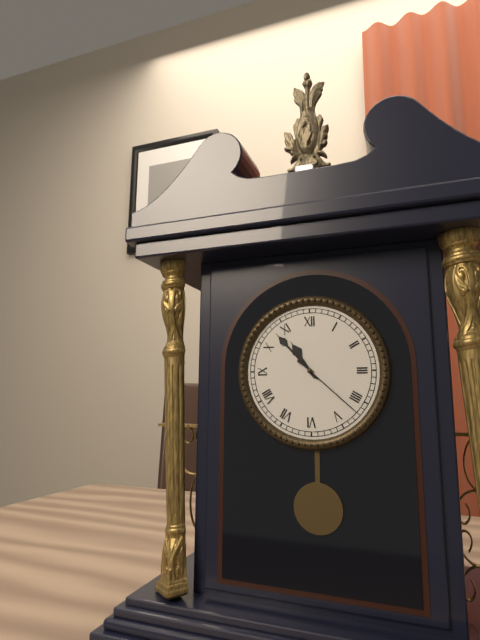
10:53:22
